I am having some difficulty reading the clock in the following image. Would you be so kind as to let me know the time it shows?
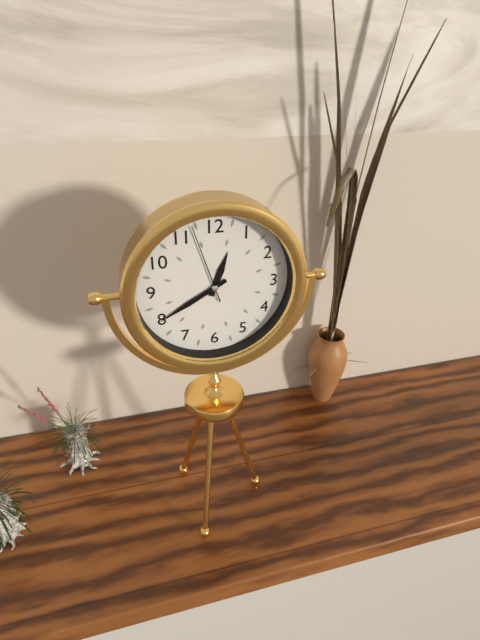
12:40:57
